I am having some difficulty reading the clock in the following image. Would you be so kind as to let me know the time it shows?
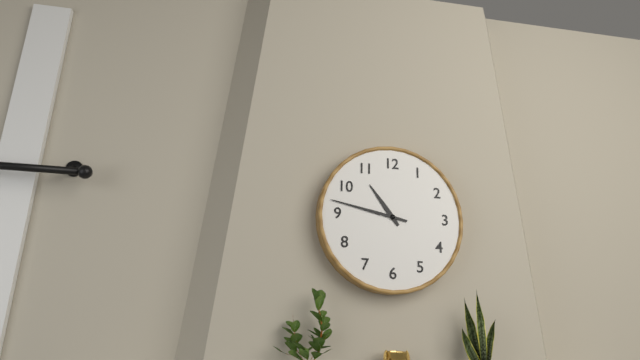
10:47
